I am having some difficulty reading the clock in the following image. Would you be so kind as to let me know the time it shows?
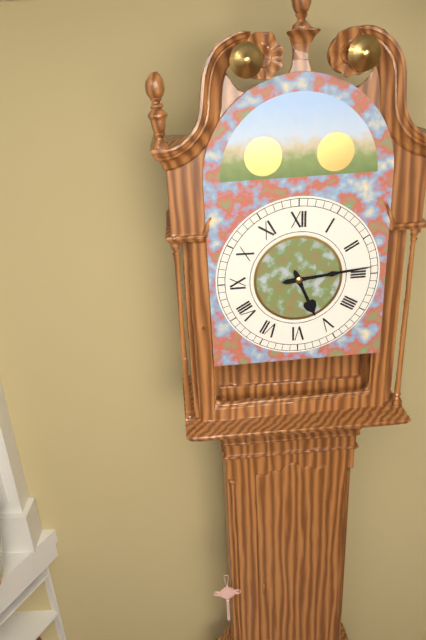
5:14
